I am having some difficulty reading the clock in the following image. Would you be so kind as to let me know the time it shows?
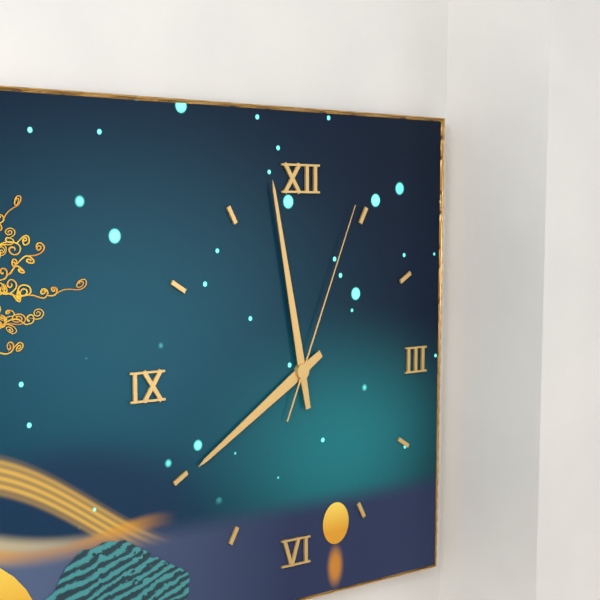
7:58:04
